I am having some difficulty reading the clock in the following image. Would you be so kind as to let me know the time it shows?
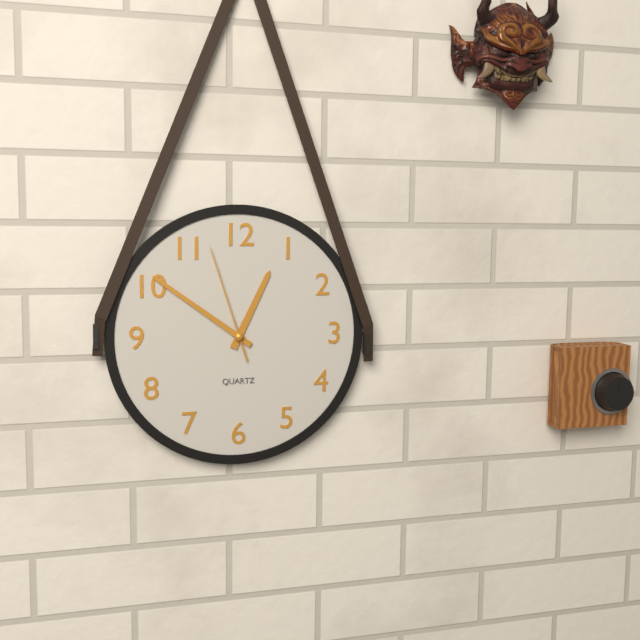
12:51:57
